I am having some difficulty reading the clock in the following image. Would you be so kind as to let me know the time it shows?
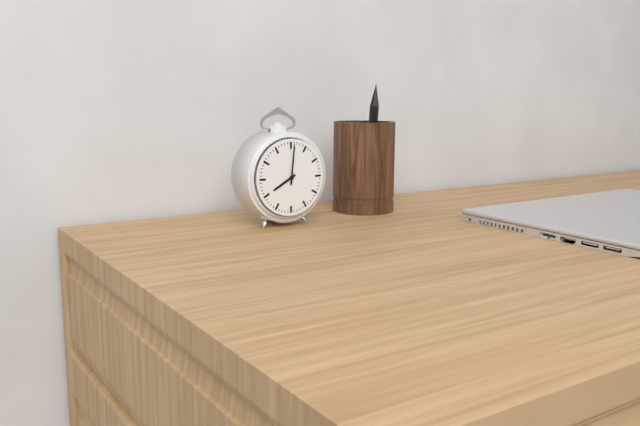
8:01
